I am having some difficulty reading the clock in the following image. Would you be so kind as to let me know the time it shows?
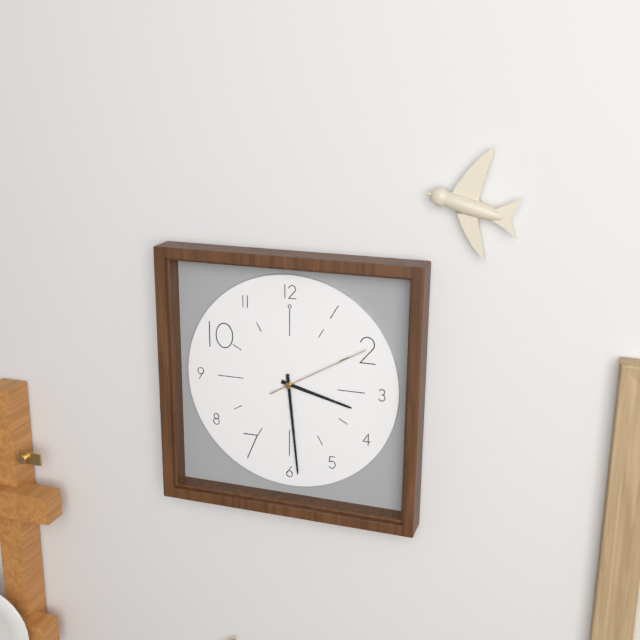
3:29:10
